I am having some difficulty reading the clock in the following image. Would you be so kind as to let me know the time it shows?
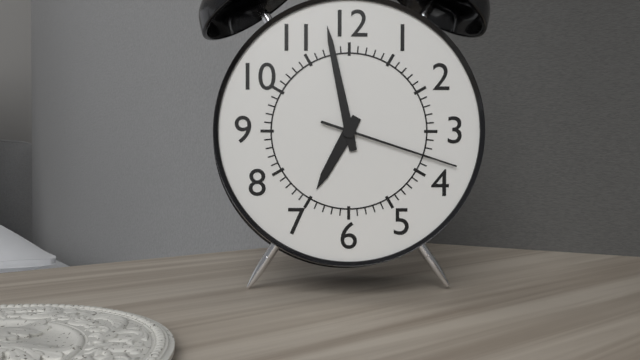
6:58:18
